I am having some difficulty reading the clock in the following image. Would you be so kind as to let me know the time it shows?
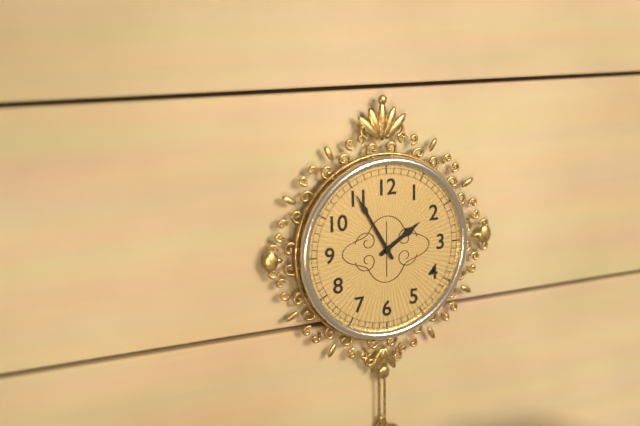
1:55
